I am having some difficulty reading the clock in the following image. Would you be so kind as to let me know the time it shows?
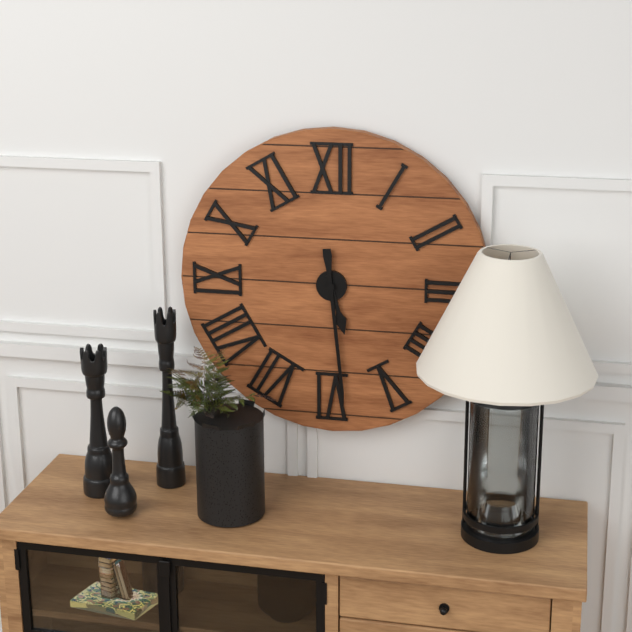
5:29
